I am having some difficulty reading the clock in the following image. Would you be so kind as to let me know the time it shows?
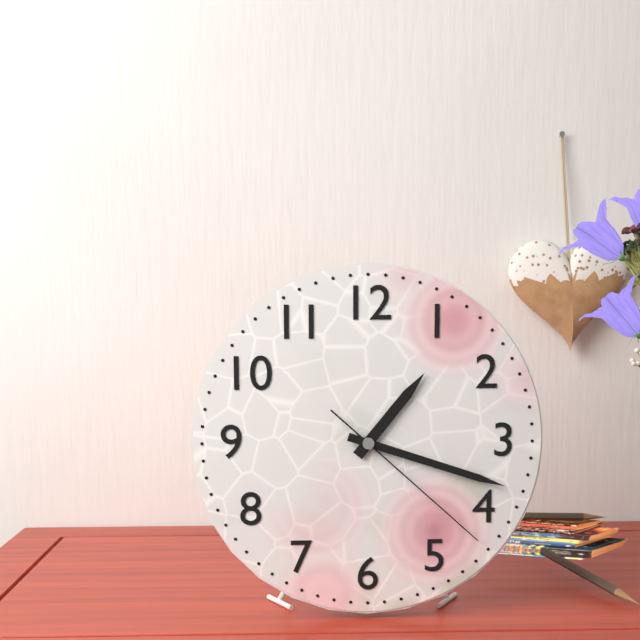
1:18:22
